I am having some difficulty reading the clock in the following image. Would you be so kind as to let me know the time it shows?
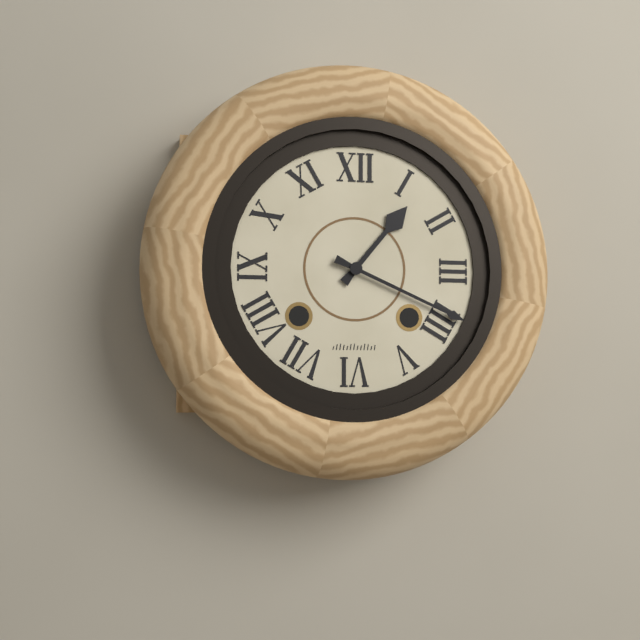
1:19
